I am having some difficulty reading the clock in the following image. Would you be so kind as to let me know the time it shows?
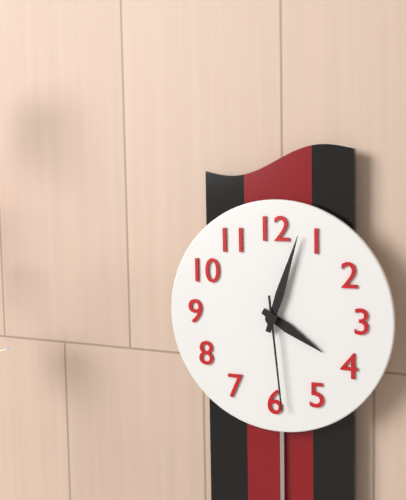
4:03:29
